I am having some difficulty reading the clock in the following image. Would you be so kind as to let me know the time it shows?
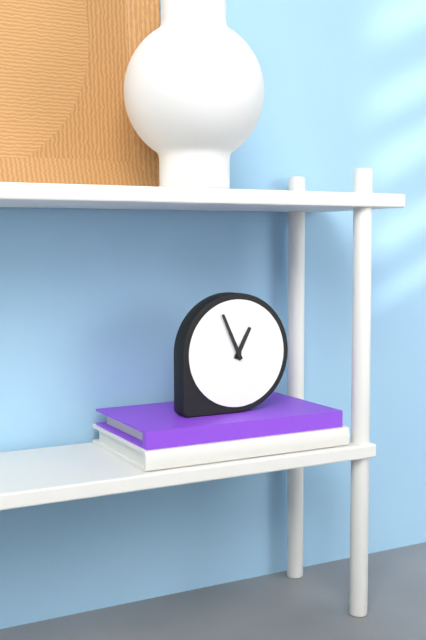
12:56
